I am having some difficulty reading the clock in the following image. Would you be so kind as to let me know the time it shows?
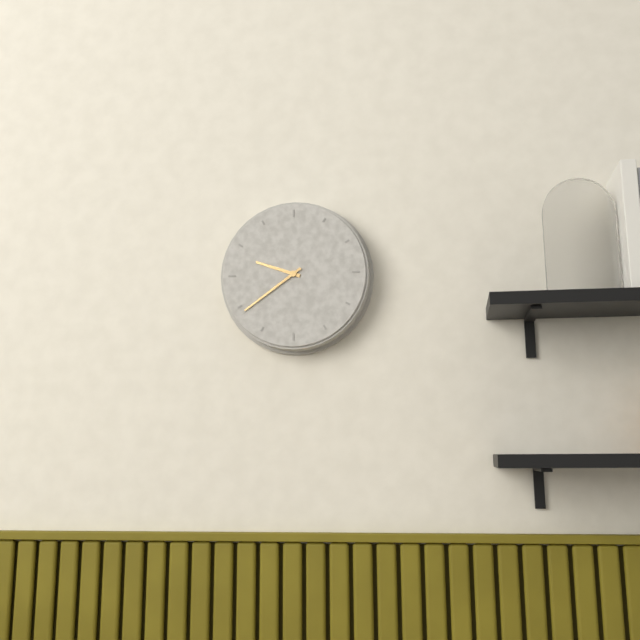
9:39
